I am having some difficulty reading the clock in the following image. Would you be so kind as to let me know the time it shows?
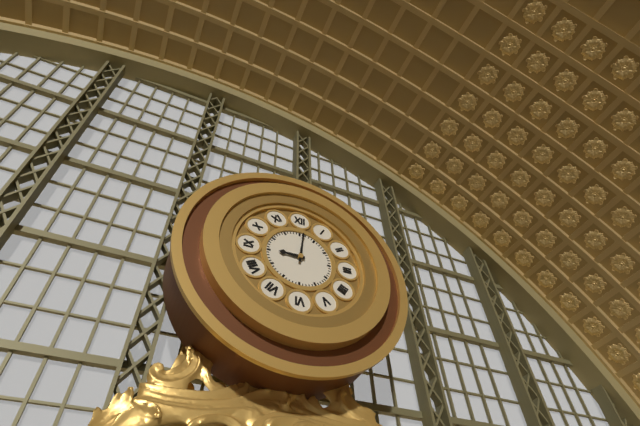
9:01
